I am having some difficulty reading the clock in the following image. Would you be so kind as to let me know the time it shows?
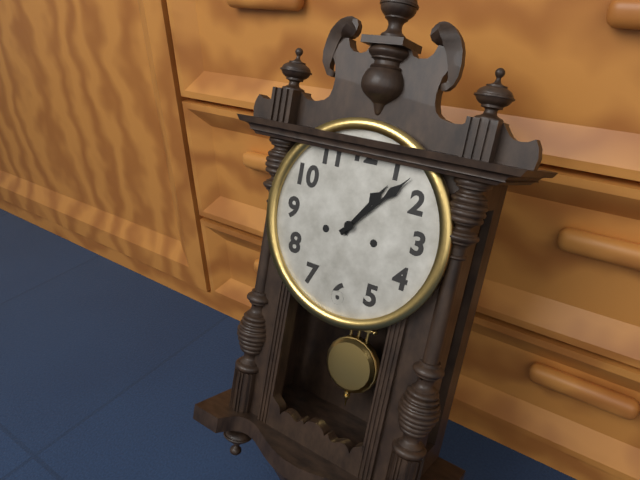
1:07
